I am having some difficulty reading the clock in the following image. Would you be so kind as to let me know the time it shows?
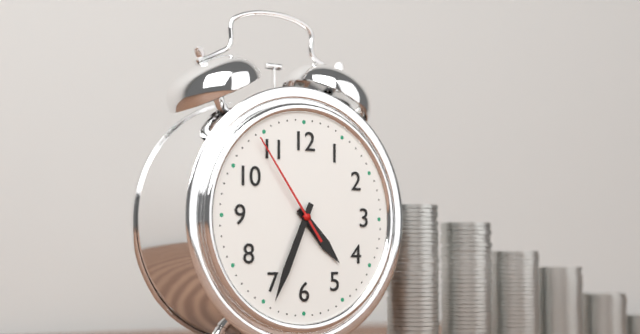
4:34:54
